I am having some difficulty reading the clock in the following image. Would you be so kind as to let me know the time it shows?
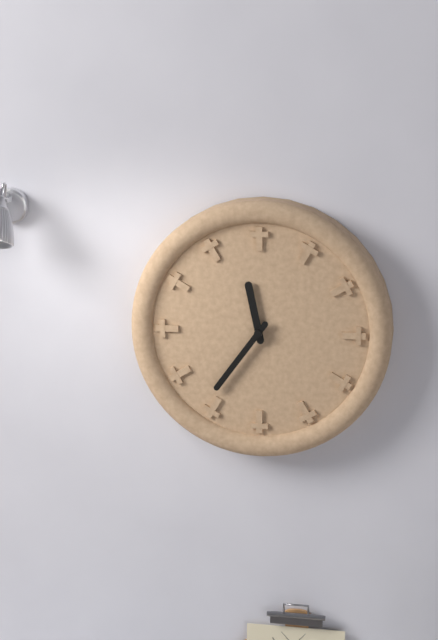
11:36
